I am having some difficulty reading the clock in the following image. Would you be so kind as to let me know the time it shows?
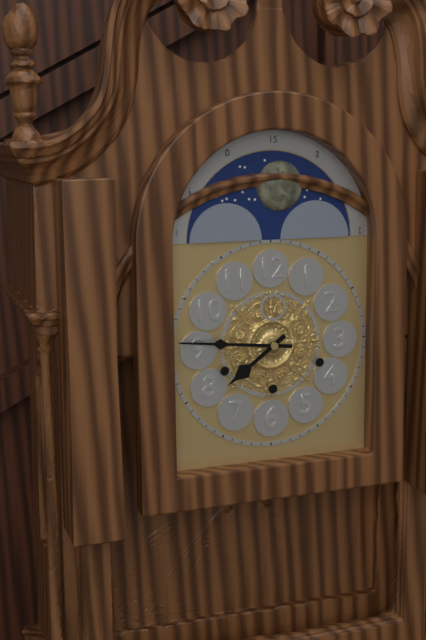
7:46
